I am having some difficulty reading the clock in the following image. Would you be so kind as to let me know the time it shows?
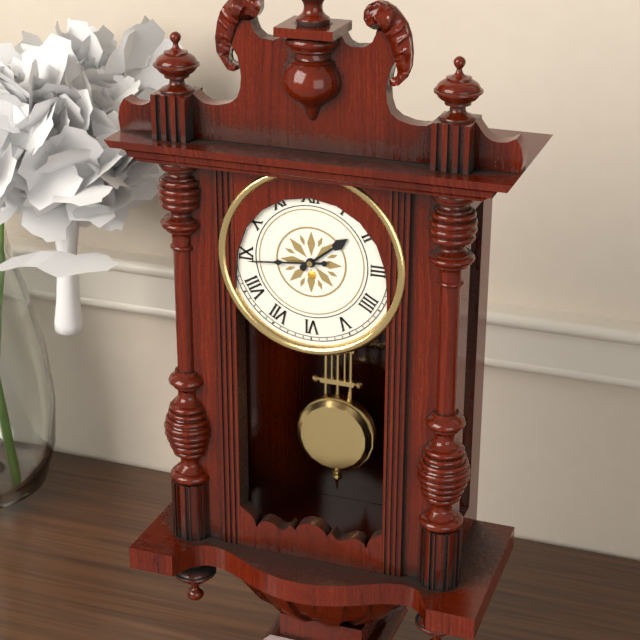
1:44
